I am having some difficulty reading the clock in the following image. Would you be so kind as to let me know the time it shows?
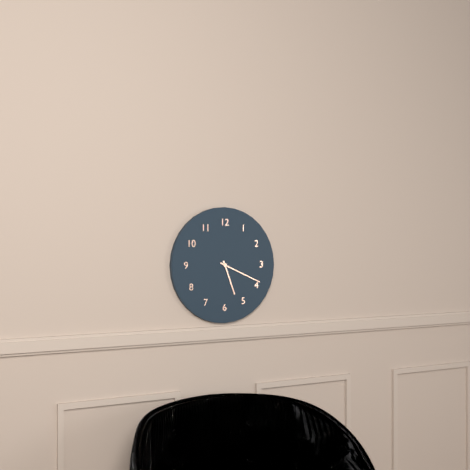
5:19
